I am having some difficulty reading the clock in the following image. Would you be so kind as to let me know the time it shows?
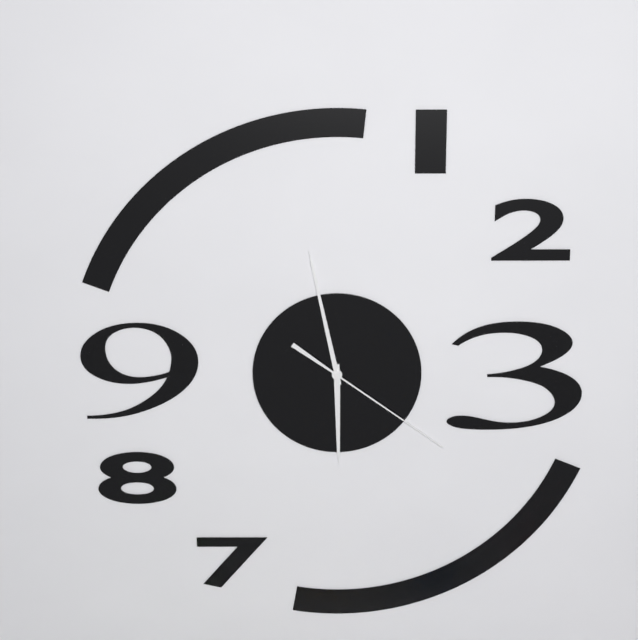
5:58:21
